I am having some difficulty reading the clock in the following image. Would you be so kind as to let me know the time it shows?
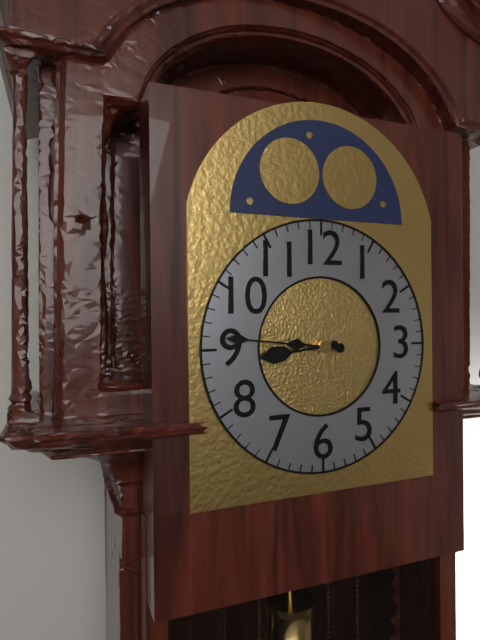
8:46
